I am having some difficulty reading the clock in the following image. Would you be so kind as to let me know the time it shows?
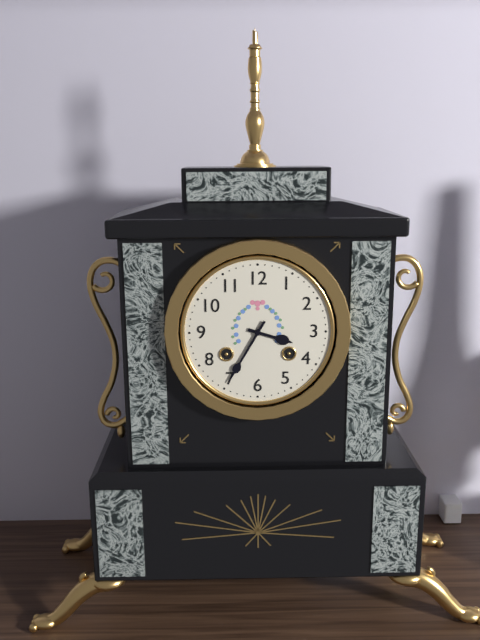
3:35
